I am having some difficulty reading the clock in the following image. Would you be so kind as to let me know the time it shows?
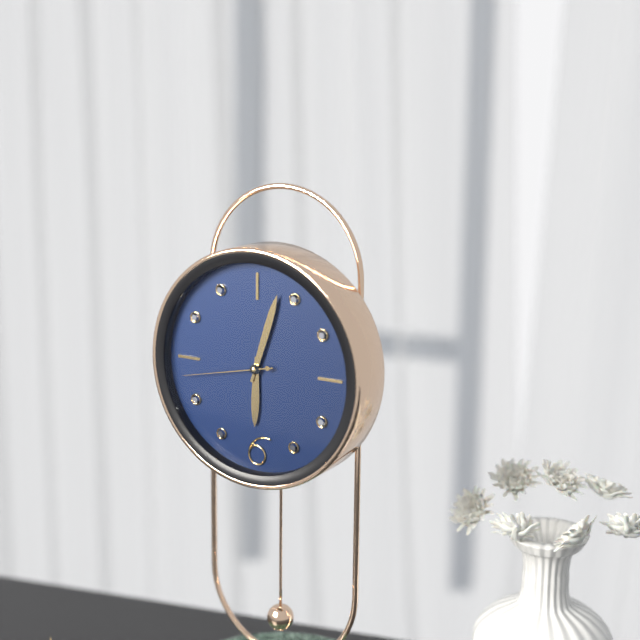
6:03:43
